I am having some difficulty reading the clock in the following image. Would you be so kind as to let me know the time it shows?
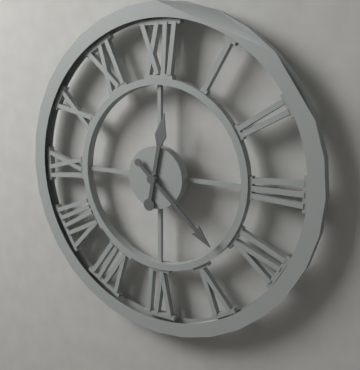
12:22
